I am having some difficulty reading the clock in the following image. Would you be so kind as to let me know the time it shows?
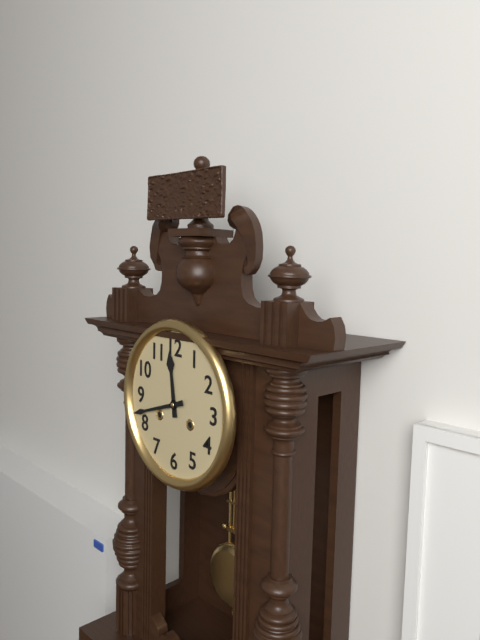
11:42
